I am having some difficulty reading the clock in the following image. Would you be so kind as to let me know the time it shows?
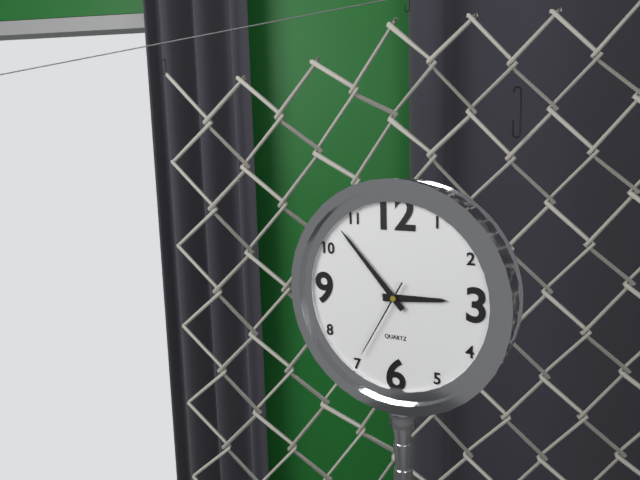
2:53:35
